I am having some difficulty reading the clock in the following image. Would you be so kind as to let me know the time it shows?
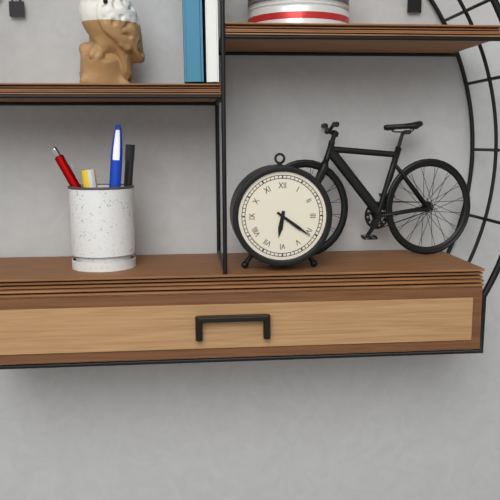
6:21
